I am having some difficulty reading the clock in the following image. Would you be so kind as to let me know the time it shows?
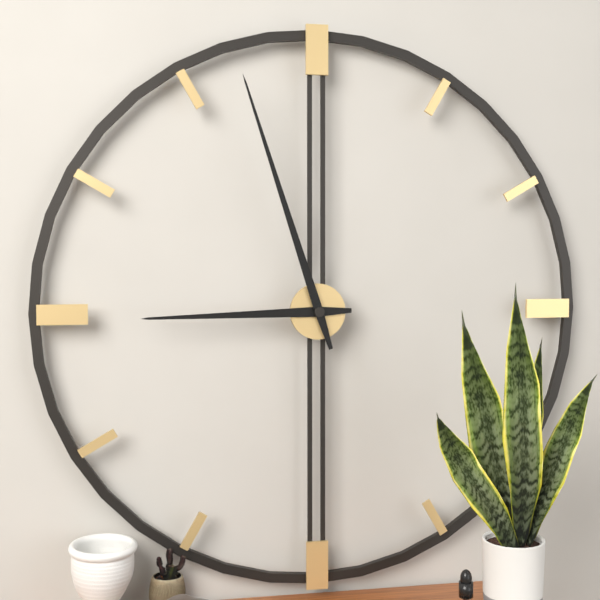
8:57
